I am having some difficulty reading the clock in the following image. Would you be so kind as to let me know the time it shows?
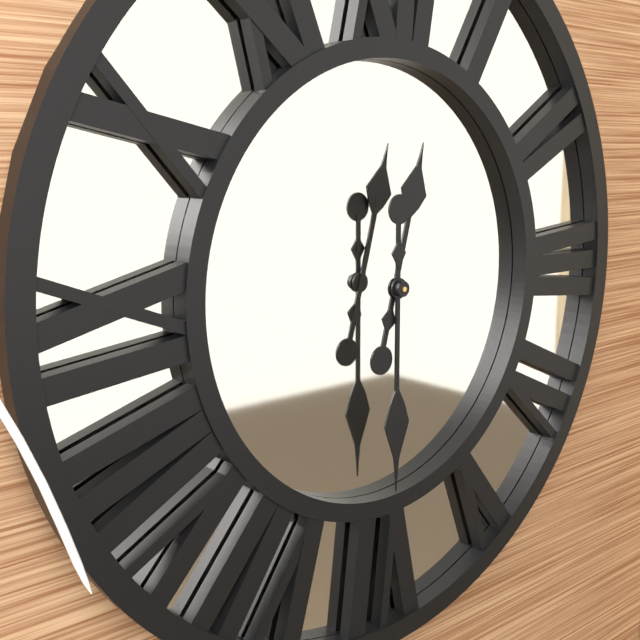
12:30
